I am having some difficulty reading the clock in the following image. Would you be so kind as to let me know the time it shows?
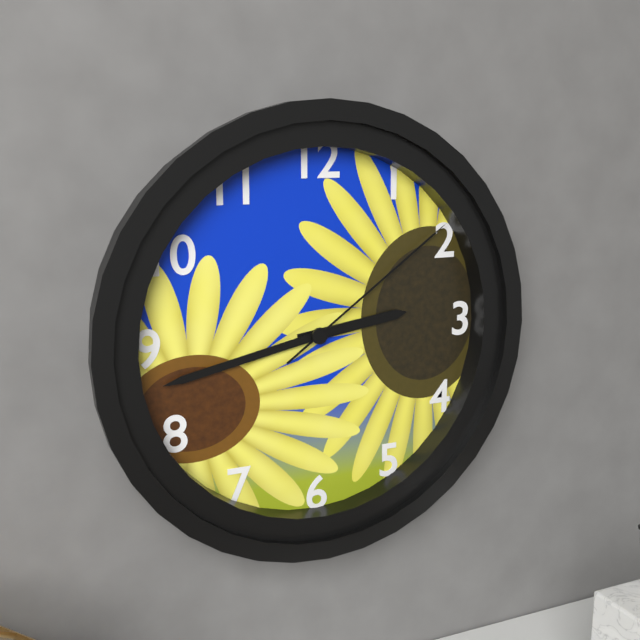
2:43:09
